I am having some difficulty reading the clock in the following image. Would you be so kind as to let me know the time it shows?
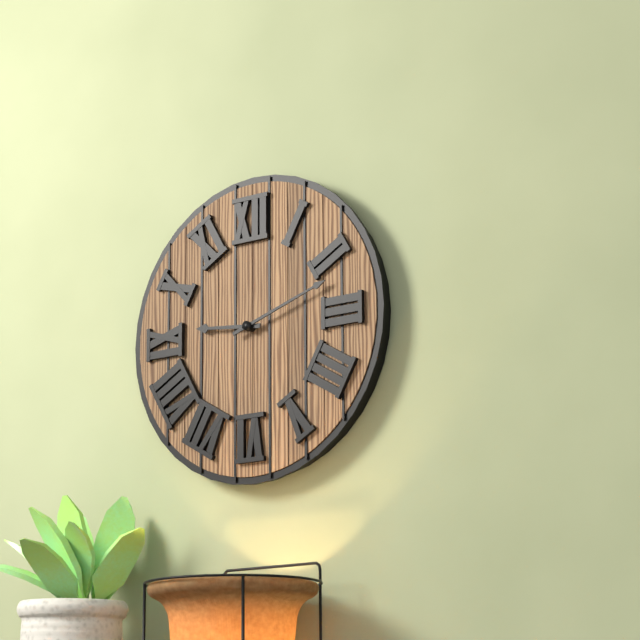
9:12
